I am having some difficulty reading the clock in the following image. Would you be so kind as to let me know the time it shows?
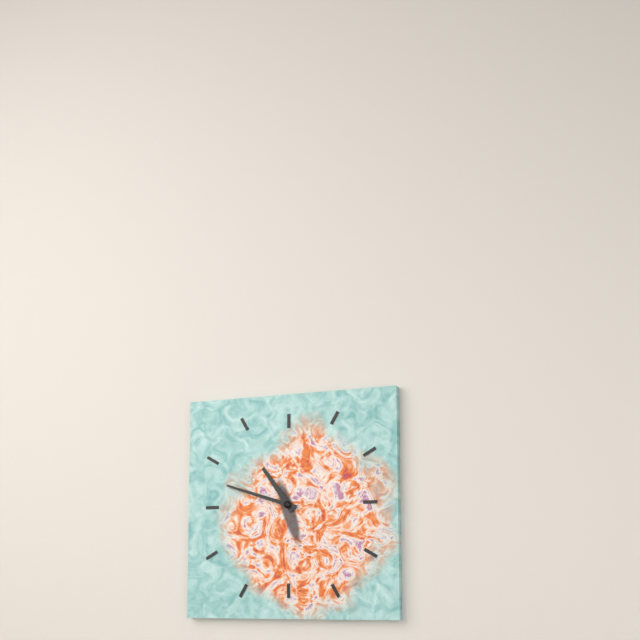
10:48
